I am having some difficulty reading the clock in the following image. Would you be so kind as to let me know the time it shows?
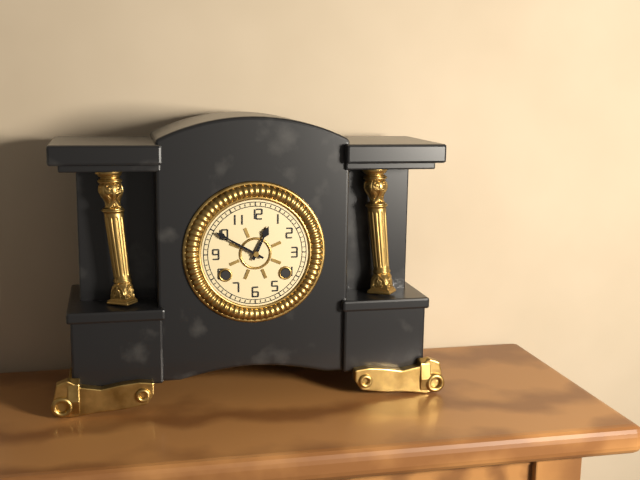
12:50
